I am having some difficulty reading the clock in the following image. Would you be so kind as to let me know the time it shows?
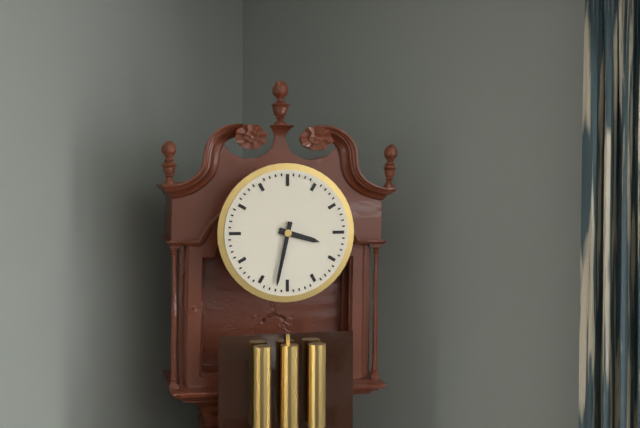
3:32
